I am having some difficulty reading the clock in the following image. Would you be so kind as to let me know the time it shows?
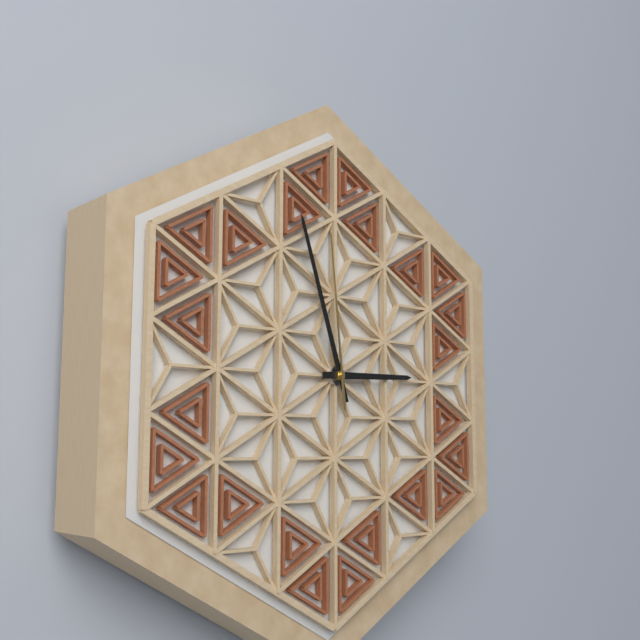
2:57:59
